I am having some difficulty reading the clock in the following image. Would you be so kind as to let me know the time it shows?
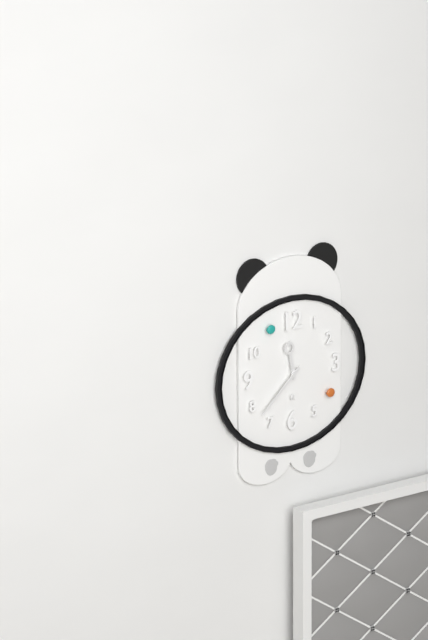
11:38
